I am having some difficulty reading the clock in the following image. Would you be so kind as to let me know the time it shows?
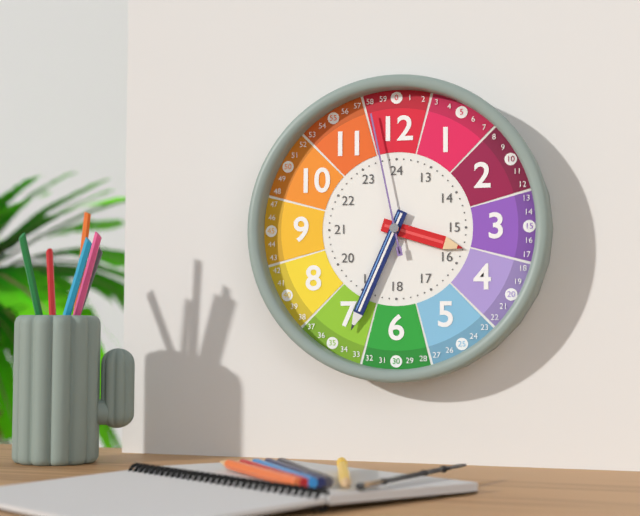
3:34:58
